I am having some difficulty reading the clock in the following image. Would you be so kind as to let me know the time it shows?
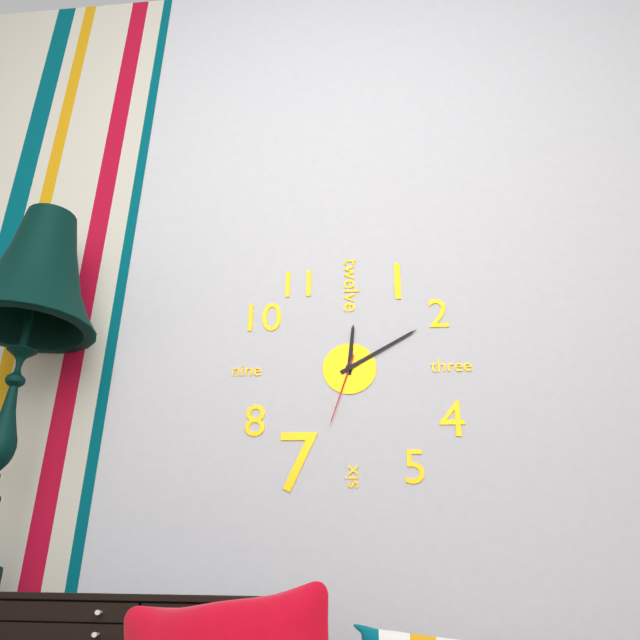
12:10:33
